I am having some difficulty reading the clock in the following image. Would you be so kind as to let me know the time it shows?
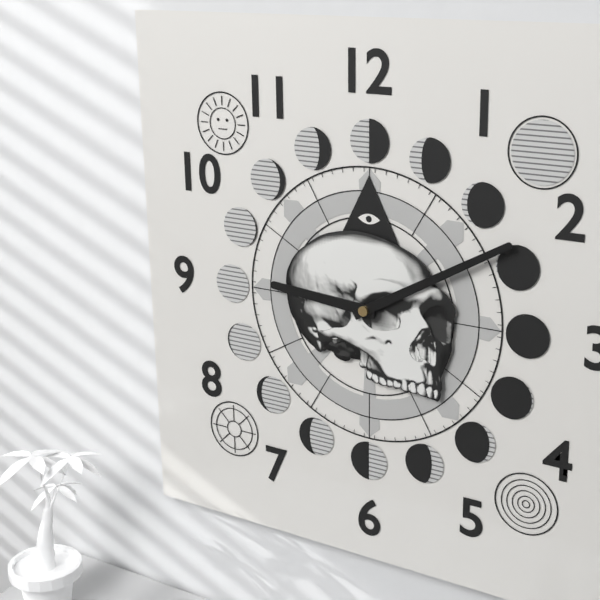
9:10
